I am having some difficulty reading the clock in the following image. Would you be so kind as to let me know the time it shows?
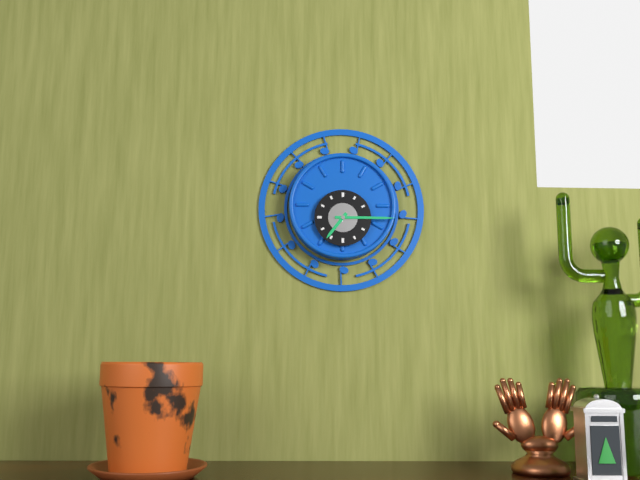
7:15
